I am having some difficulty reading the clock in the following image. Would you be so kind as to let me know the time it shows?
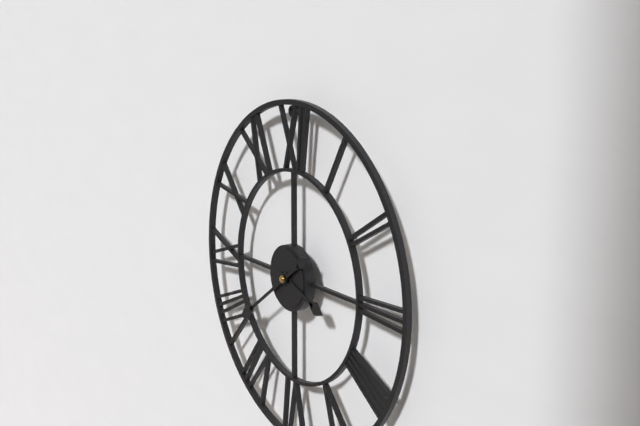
3:39
